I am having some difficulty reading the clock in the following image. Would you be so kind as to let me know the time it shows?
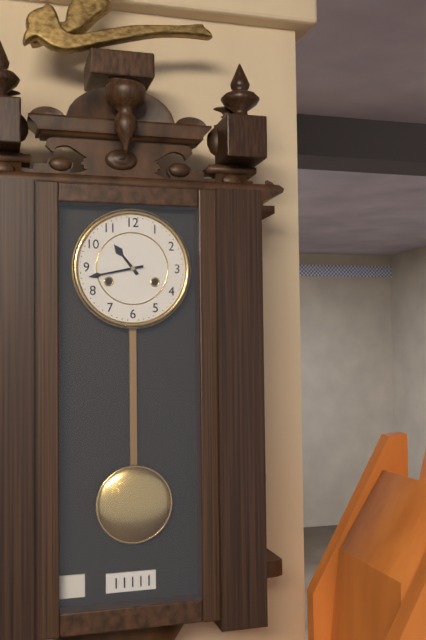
10:43
